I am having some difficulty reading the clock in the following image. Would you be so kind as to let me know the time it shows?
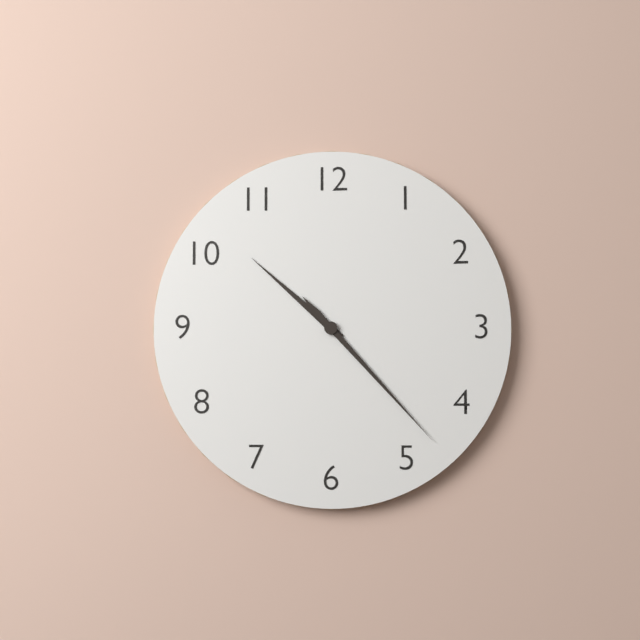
10:23
